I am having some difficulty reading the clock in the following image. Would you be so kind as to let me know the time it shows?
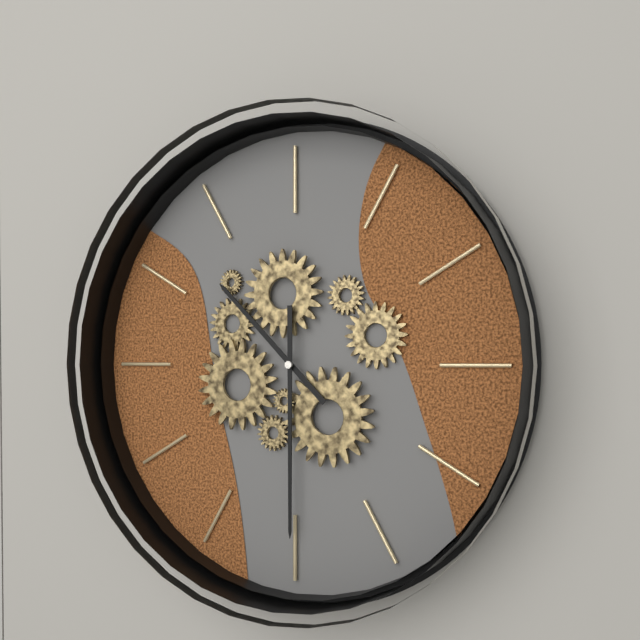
10:30
